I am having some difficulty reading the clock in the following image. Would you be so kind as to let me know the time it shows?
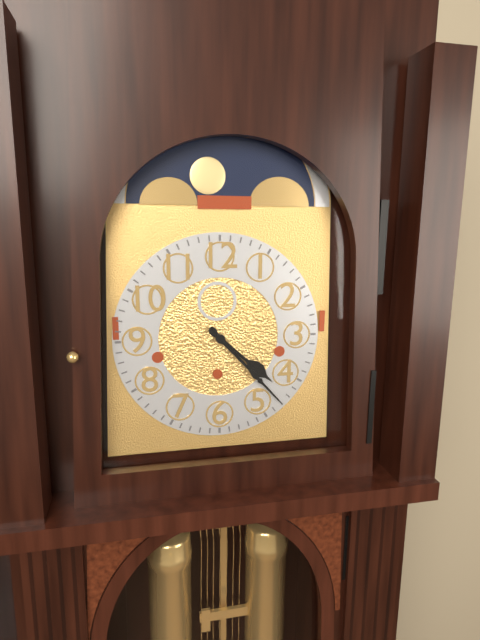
4:23
